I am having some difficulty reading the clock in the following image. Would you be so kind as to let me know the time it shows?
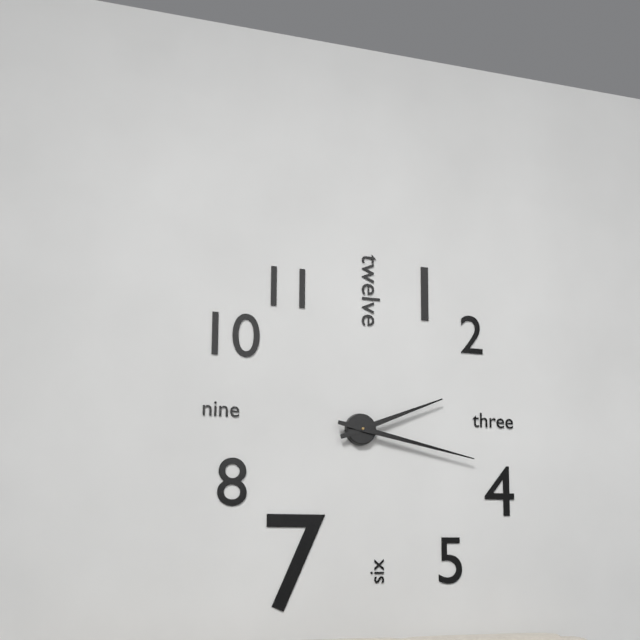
2:17
